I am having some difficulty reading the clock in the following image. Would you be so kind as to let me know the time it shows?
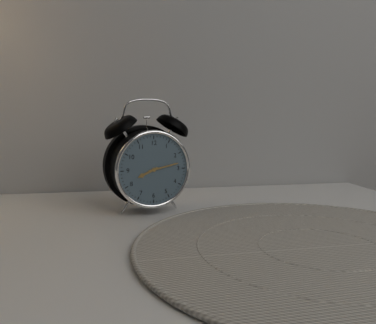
8:13
